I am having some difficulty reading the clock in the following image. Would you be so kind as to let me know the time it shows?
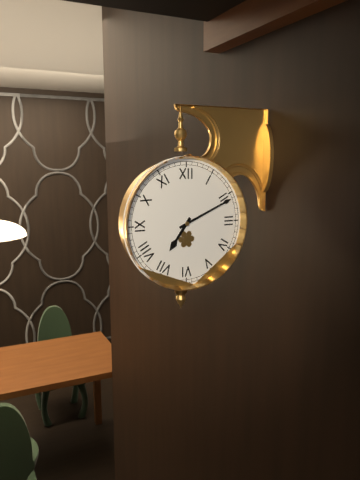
7:11
